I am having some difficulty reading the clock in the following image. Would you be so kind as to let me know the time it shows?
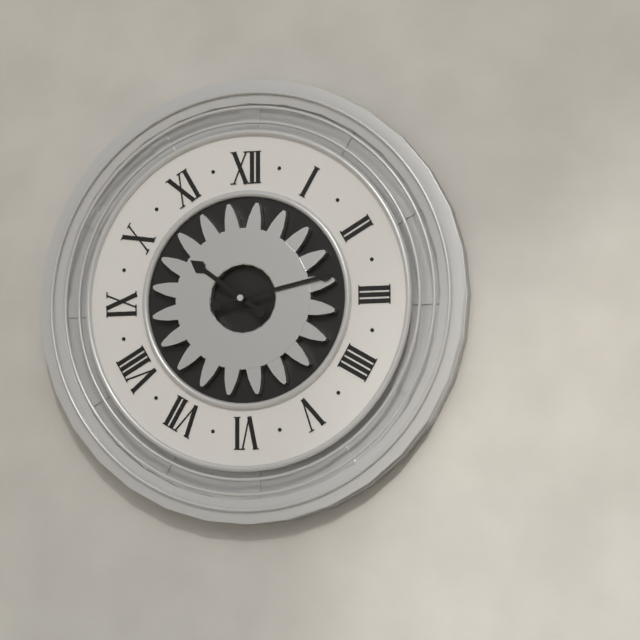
10:13
